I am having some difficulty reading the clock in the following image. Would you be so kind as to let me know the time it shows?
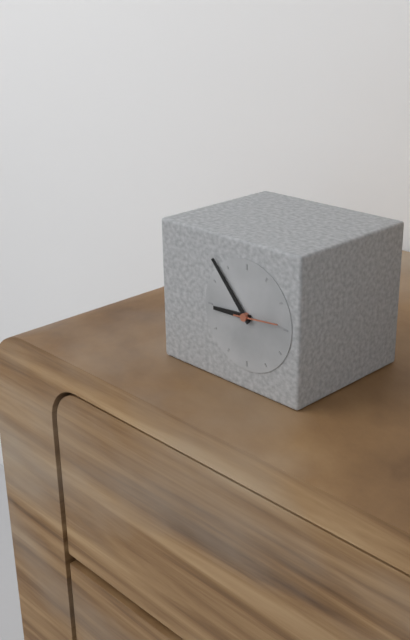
8:53
